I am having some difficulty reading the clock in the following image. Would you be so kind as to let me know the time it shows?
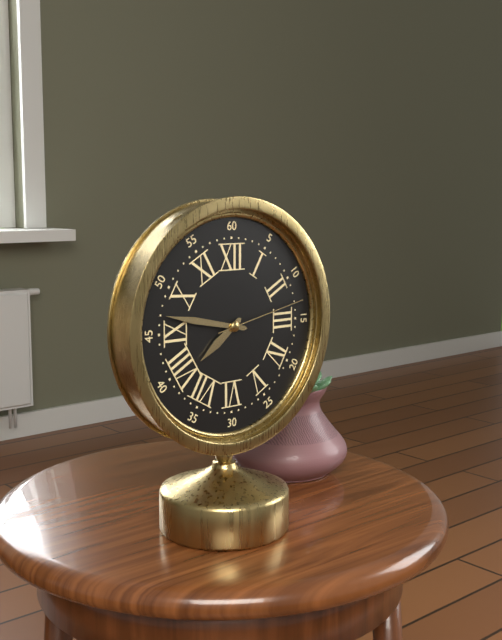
7:47:13
